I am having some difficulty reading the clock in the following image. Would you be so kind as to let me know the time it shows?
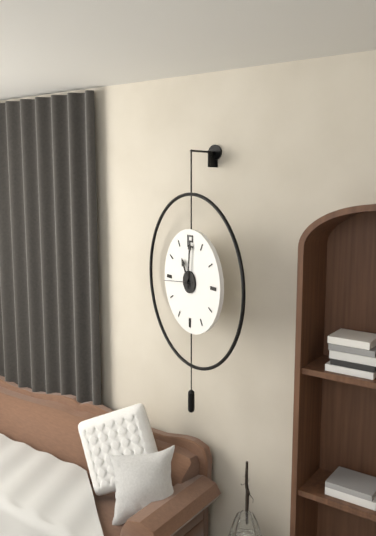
11:01
